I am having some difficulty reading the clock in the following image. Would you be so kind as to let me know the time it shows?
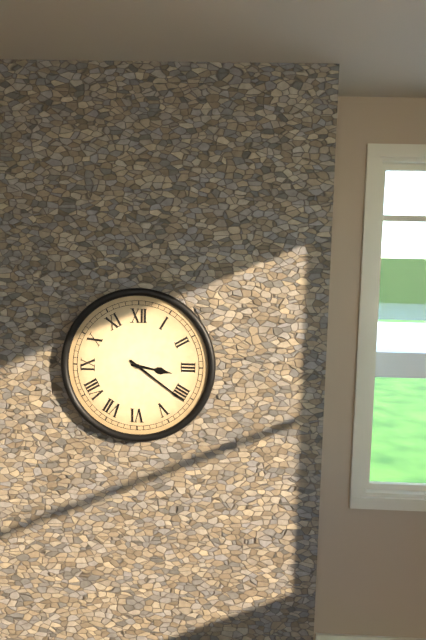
3:21
